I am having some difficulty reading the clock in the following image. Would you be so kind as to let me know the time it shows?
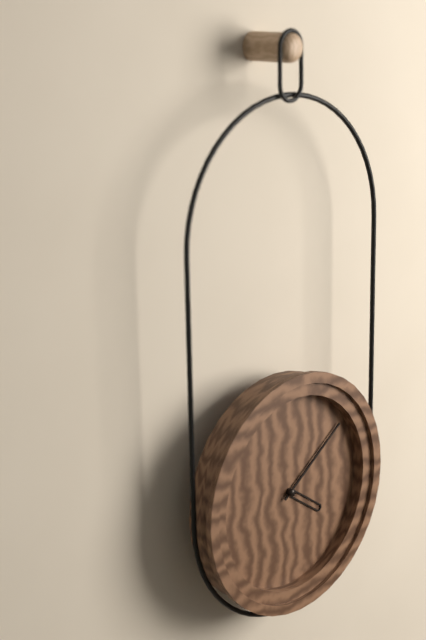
4:09
